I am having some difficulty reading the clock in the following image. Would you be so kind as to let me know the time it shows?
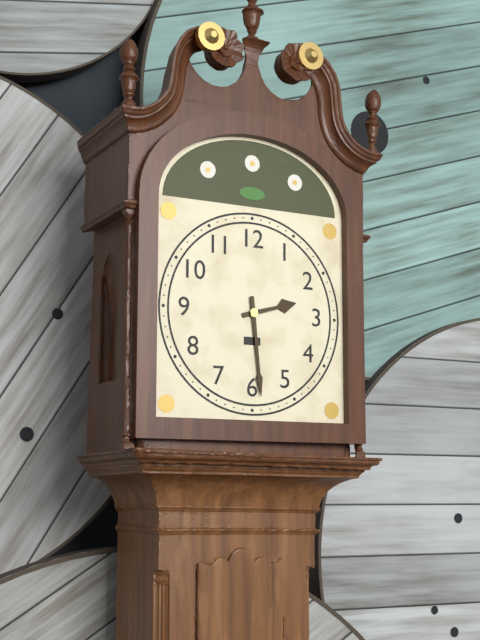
2:29
